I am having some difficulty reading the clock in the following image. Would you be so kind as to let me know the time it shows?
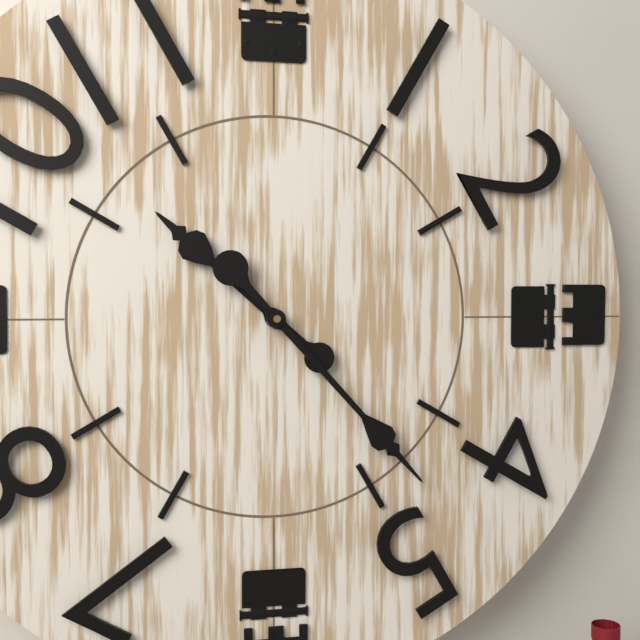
10:23
